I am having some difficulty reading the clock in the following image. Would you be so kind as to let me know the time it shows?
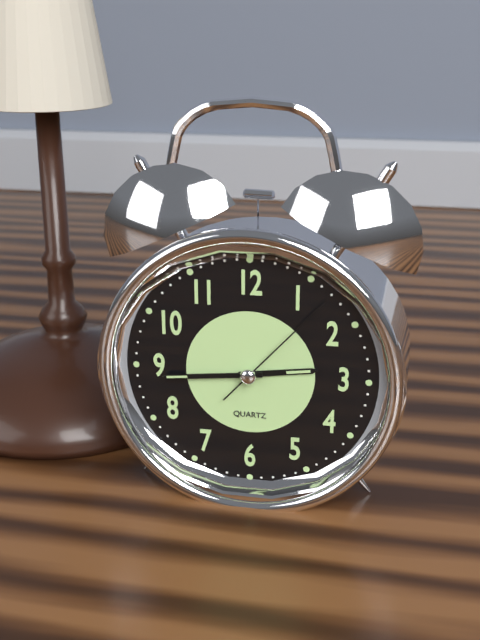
2:44:07
